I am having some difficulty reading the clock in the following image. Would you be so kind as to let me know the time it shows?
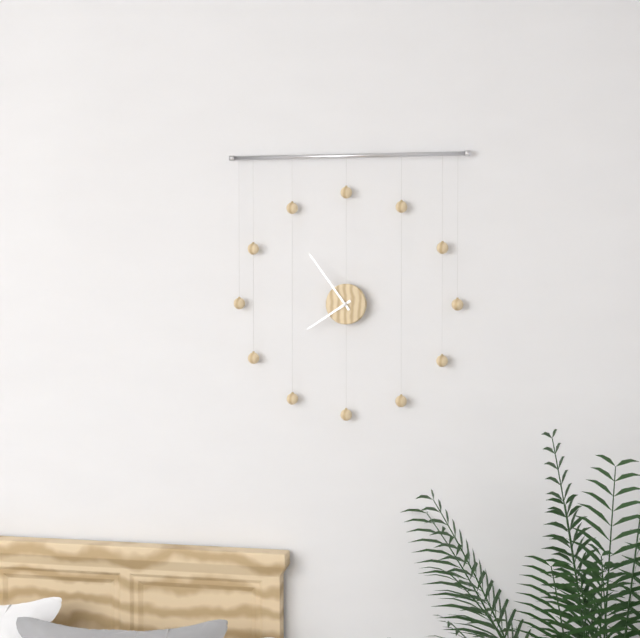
7:54
